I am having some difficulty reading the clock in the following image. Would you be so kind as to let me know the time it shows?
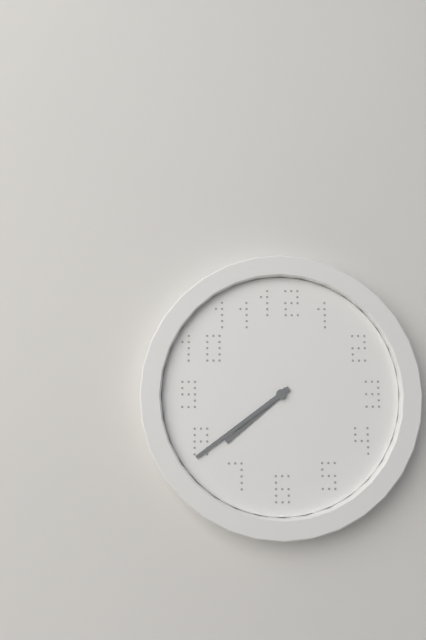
7:39
